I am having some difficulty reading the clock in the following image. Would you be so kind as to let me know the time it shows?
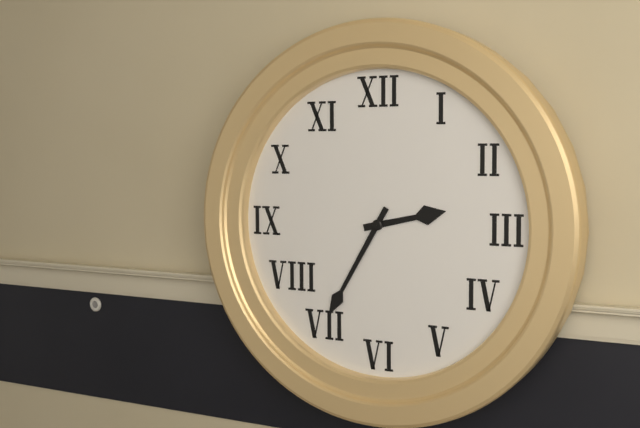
2:35
